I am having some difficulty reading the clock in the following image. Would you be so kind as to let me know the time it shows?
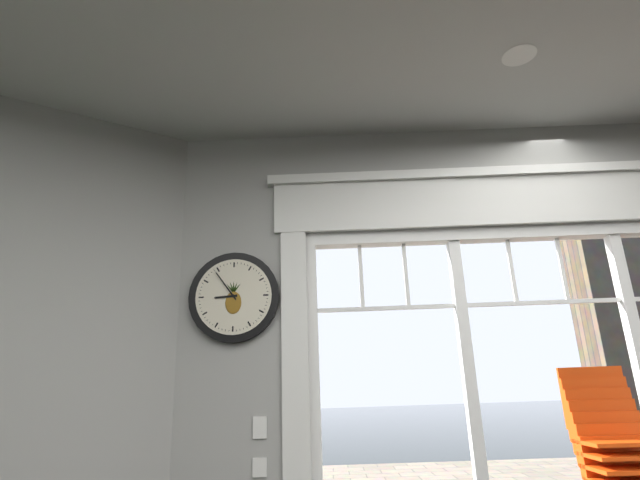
8:54
